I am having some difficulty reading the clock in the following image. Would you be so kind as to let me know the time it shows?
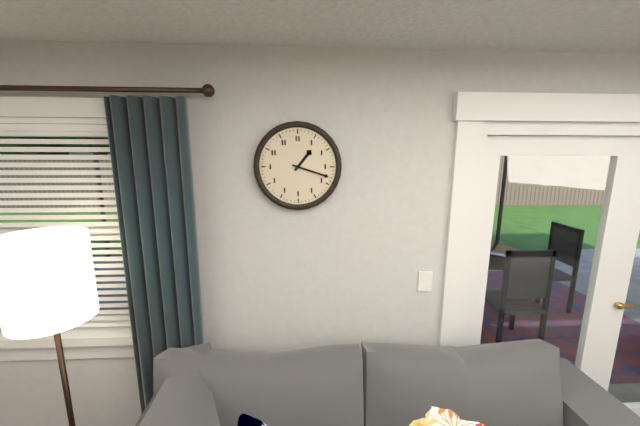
1:18
